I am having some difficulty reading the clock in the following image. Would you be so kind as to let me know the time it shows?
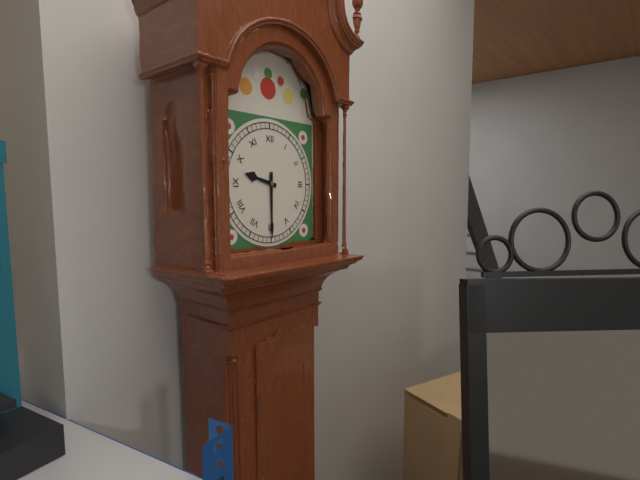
9:30
